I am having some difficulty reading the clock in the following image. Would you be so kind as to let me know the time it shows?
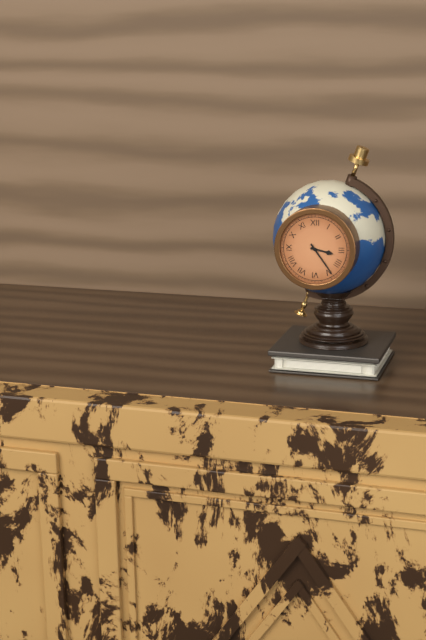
3:24
